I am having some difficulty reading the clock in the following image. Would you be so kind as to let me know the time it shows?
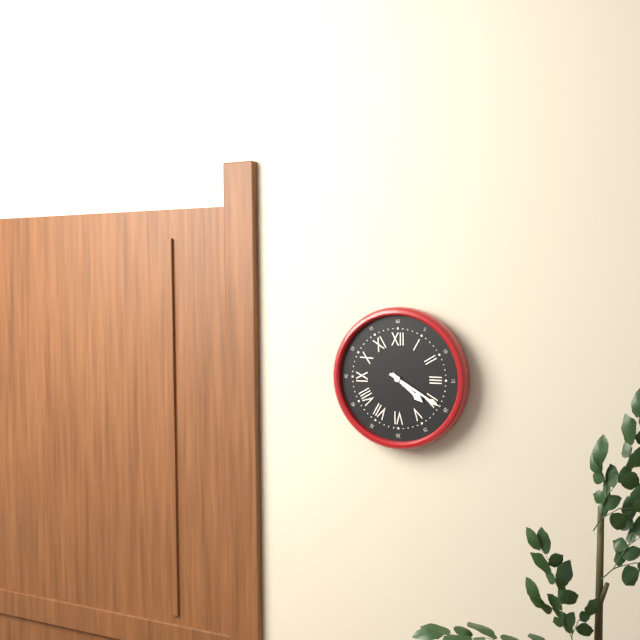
4:20
